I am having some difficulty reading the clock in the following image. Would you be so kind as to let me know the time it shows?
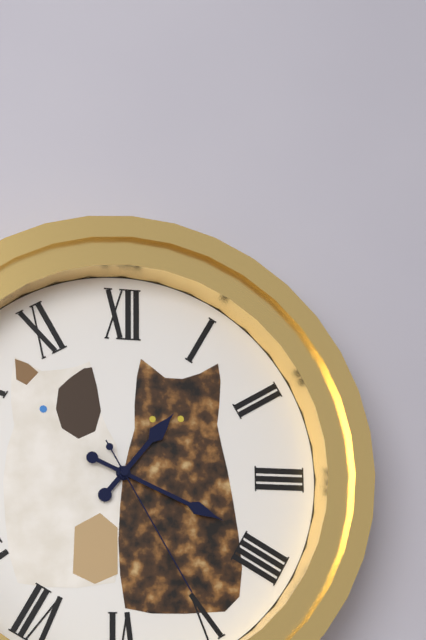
1:19:25
